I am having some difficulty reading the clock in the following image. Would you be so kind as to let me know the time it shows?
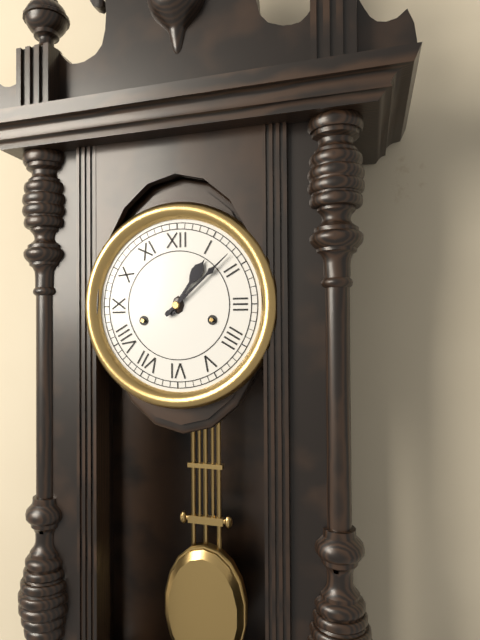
1:08
